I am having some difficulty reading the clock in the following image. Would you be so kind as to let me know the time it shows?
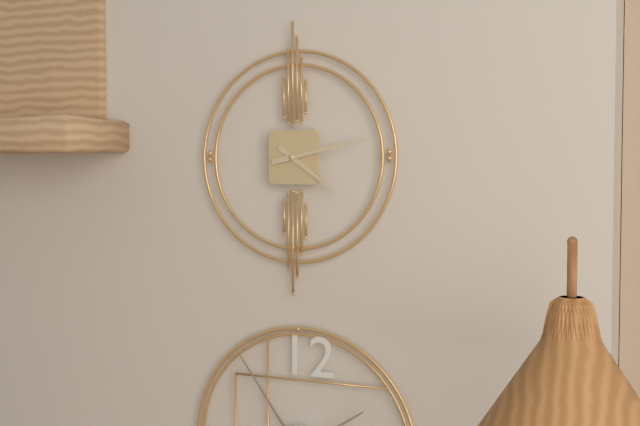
4:13
